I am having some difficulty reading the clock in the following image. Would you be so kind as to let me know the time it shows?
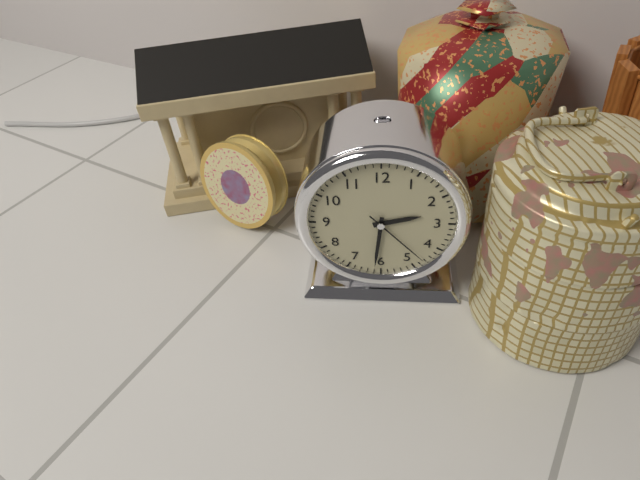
2:31:23
